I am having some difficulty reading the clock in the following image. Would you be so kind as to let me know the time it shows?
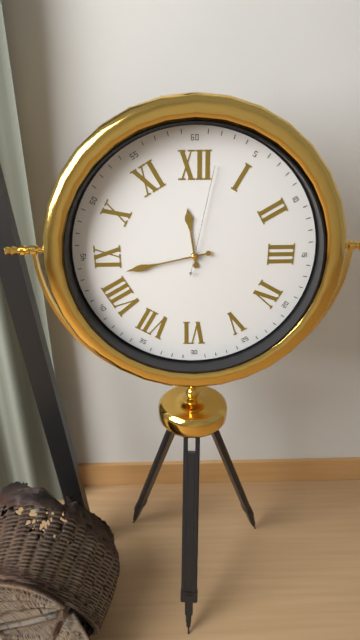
11:43:02
